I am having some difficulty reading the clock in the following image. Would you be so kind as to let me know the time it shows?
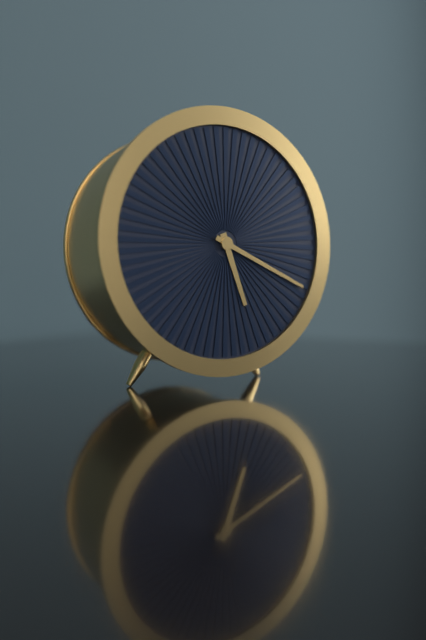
5:19
